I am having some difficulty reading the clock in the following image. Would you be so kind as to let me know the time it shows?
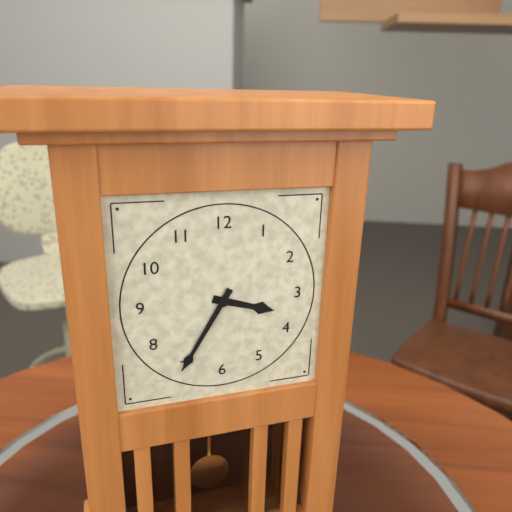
3:35
